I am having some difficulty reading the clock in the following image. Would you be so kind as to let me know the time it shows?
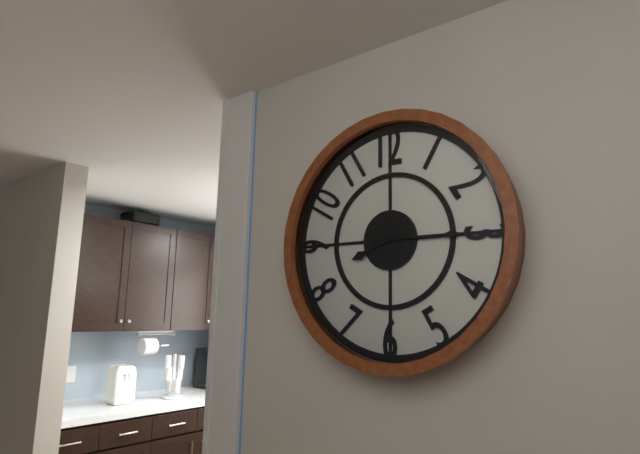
8:15
